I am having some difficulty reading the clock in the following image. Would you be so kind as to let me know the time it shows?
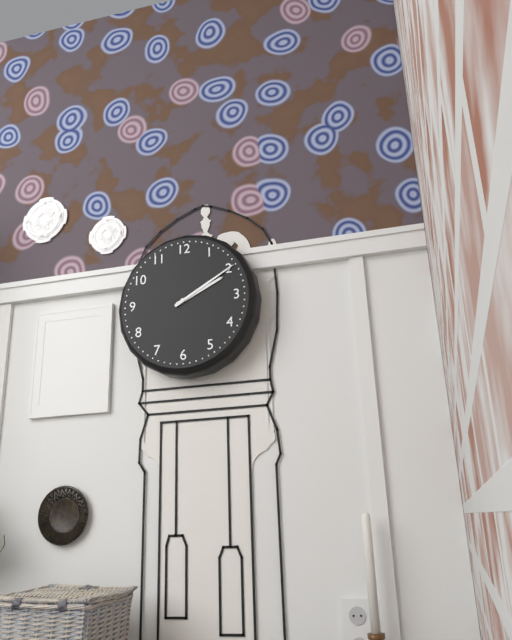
2:10
